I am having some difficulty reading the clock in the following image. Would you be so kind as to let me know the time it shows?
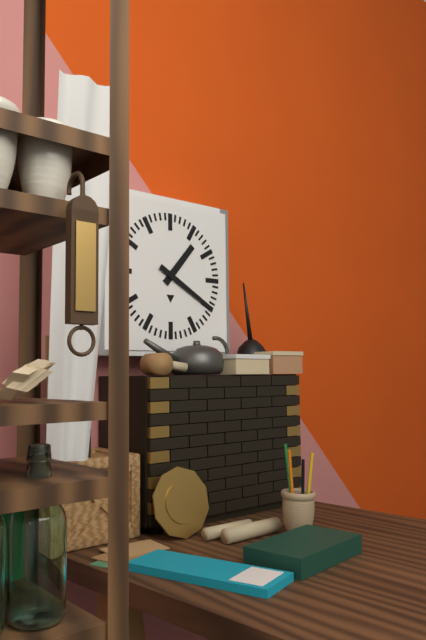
1:20
